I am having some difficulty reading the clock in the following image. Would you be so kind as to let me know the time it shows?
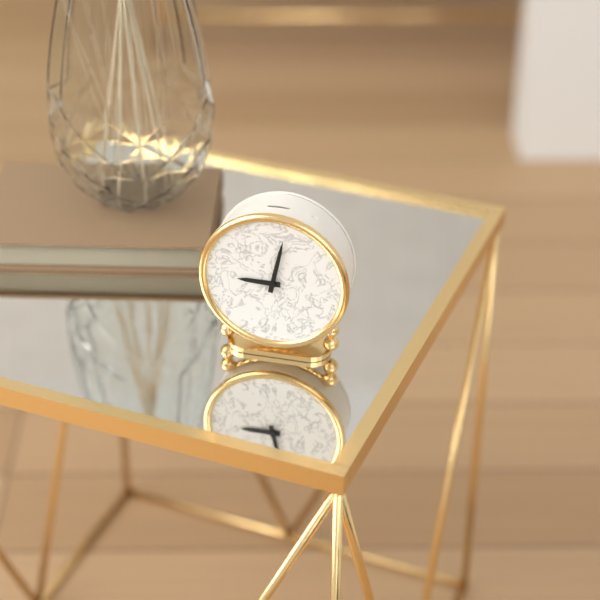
9:02
